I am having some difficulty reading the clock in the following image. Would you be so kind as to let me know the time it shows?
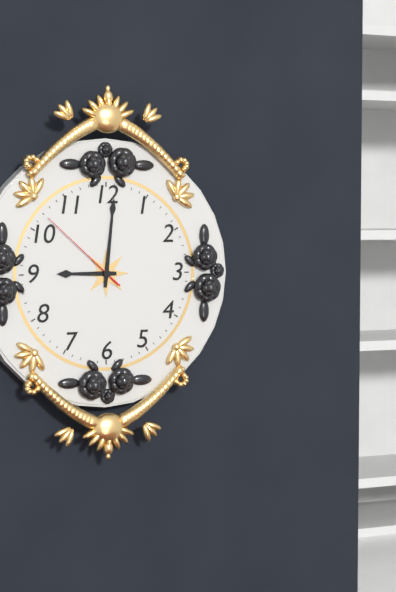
9:01:52
